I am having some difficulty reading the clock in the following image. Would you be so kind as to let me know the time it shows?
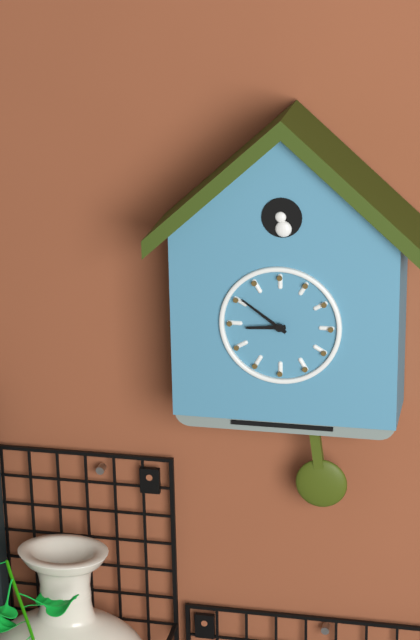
8:51
